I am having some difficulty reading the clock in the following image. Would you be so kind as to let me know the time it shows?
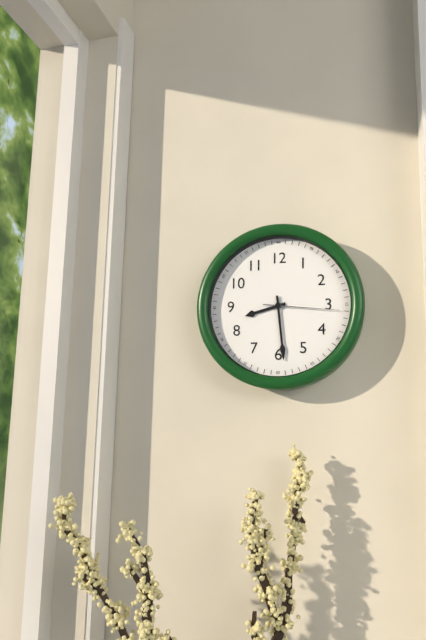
8:29:16
